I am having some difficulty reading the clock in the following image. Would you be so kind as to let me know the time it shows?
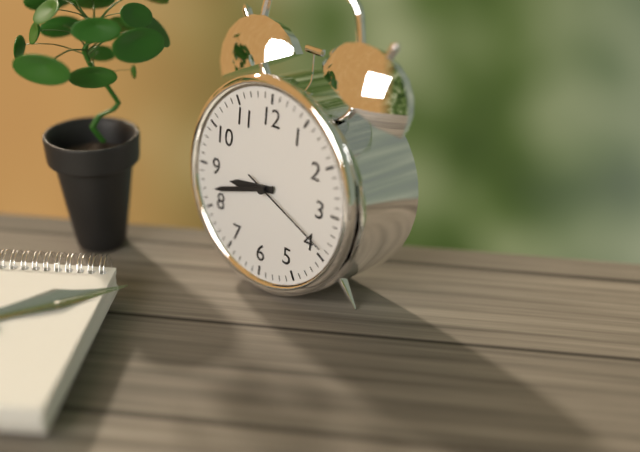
8:42:19
